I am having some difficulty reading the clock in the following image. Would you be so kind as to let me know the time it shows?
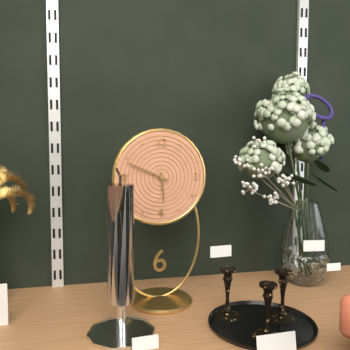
5:49
